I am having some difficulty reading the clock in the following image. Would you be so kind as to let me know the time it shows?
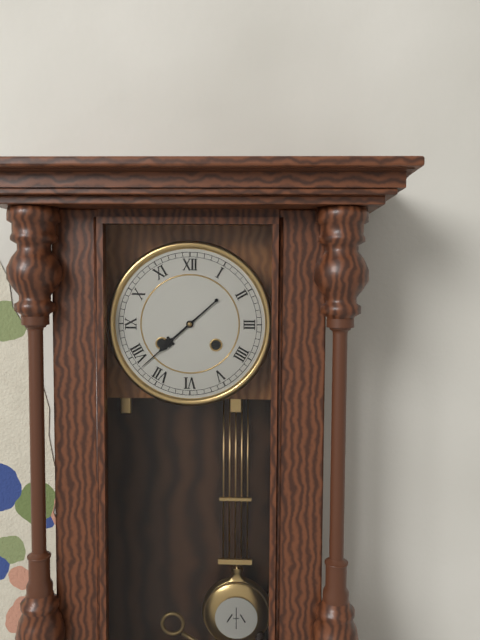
7:38
